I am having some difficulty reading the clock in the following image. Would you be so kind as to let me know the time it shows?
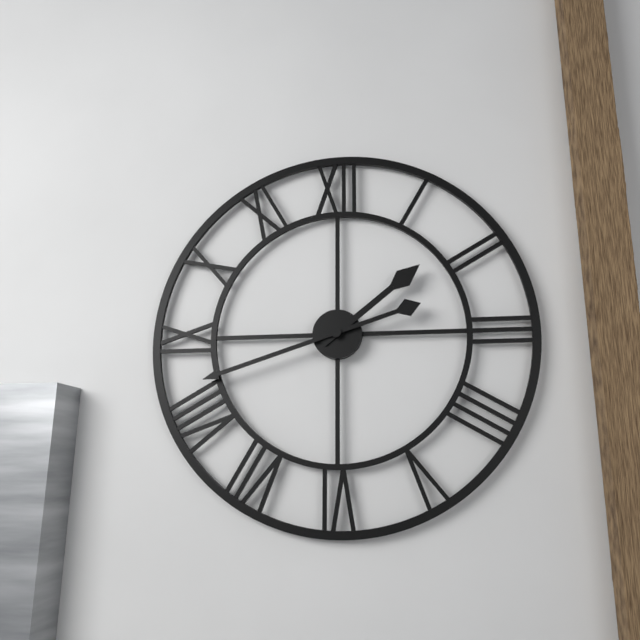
1:42
